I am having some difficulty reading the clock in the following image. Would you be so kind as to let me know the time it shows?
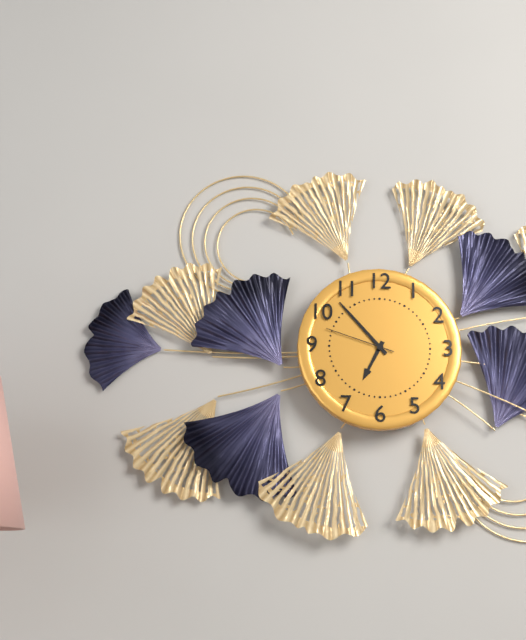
6:53:48
